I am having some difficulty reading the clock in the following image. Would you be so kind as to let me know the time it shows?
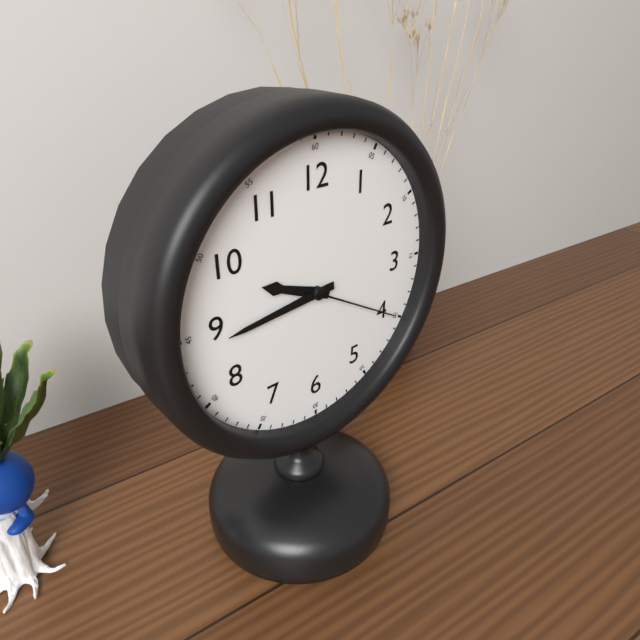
9:44:20
